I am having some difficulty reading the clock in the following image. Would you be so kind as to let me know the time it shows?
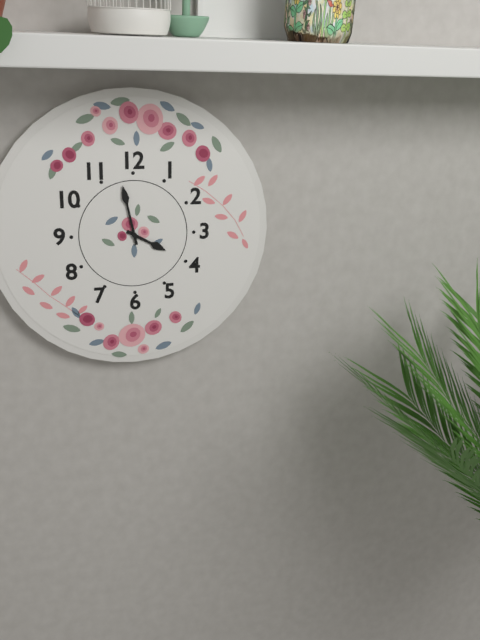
3:58
